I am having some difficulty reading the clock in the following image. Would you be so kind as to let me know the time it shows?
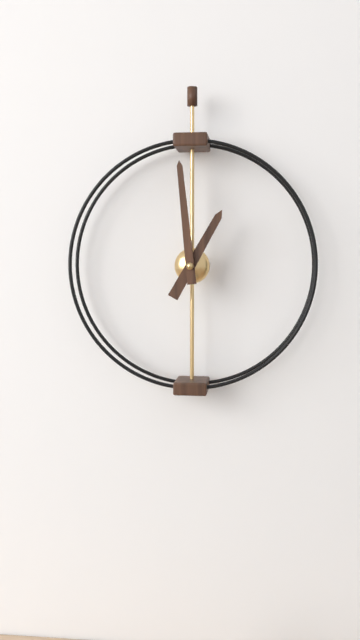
12:59
